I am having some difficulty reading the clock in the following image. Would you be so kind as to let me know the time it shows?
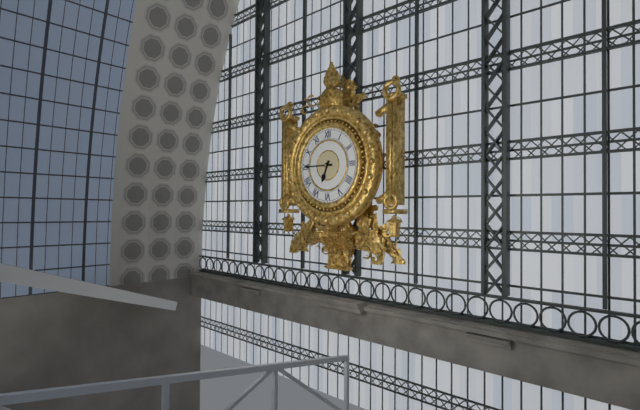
6:45
